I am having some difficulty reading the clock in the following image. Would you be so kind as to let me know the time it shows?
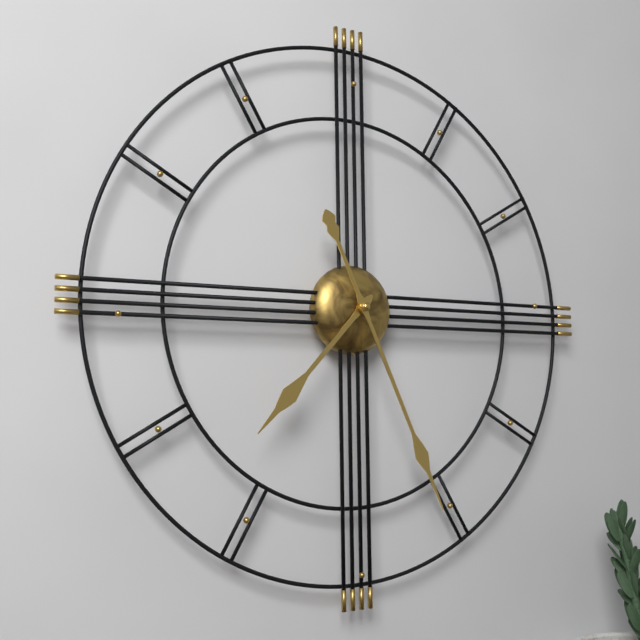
7:26
